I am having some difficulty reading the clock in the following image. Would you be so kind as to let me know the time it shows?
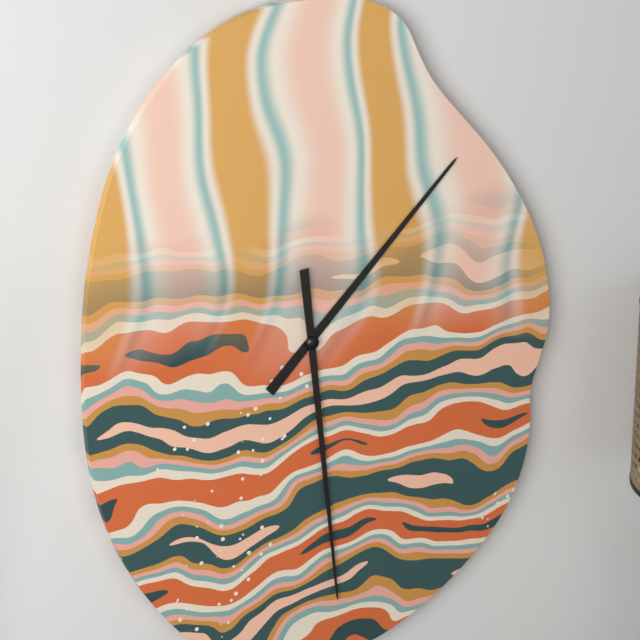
1:29
